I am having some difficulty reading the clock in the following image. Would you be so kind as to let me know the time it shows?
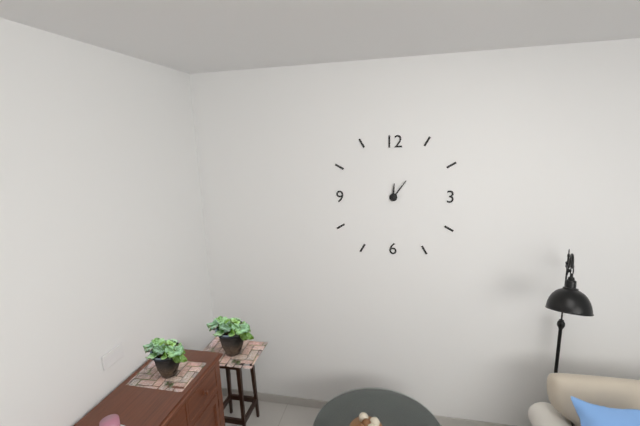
12:06
